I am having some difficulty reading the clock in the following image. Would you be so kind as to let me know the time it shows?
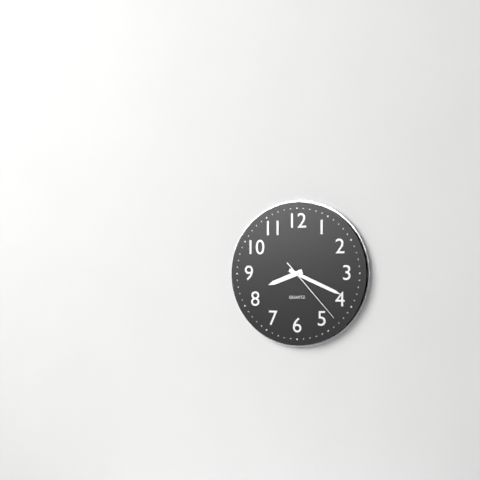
8:19:23
